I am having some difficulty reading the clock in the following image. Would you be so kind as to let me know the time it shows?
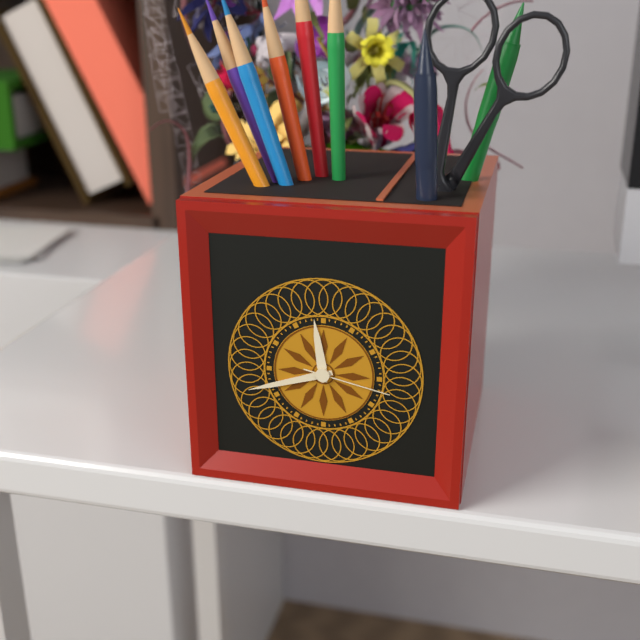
11:42:17
